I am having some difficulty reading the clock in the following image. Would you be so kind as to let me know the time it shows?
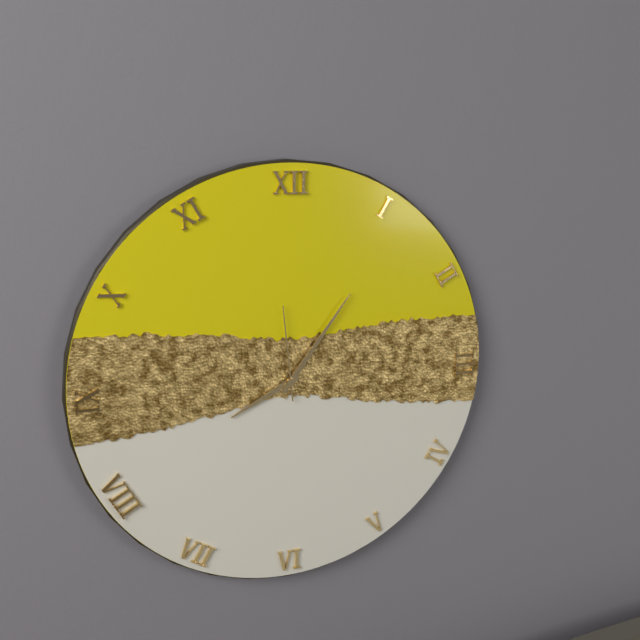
8:06:59
